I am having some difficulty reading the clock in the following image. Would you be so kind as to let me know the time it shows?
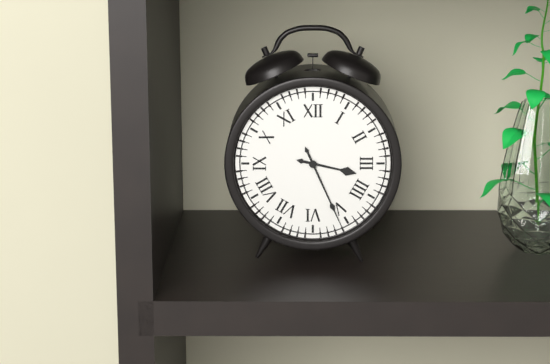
3:26
